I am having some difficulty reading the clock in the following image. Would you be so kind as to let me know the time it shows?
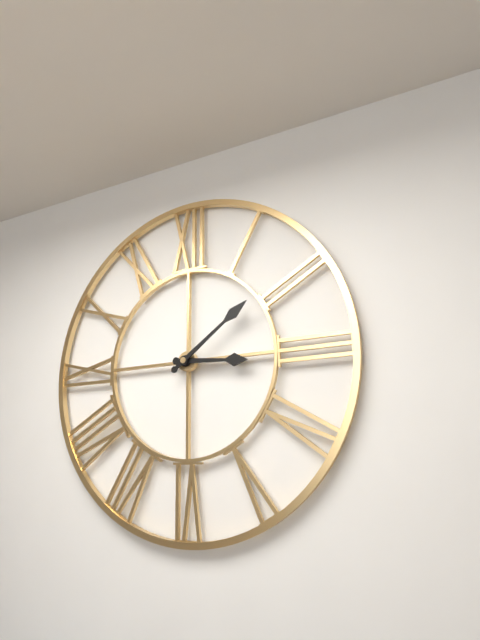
3:09
